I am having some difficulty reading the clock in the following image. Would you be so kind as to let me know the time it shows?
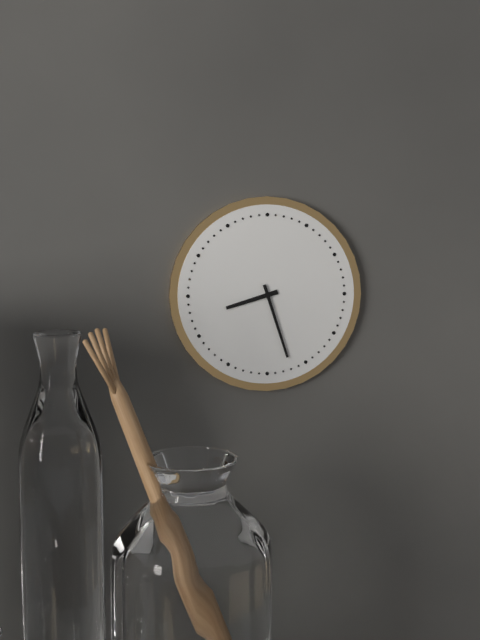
8:27
